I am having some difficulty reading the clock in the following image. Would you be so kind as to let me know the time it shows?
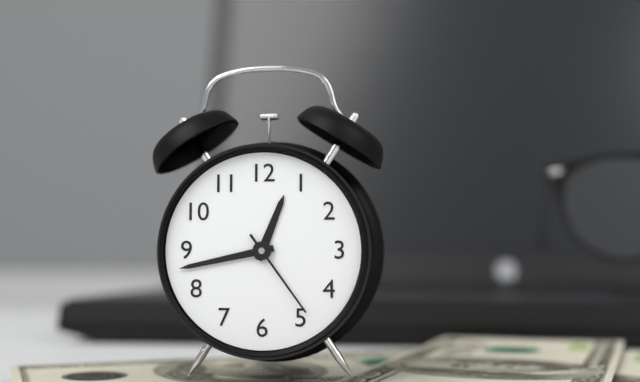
12:43:24
